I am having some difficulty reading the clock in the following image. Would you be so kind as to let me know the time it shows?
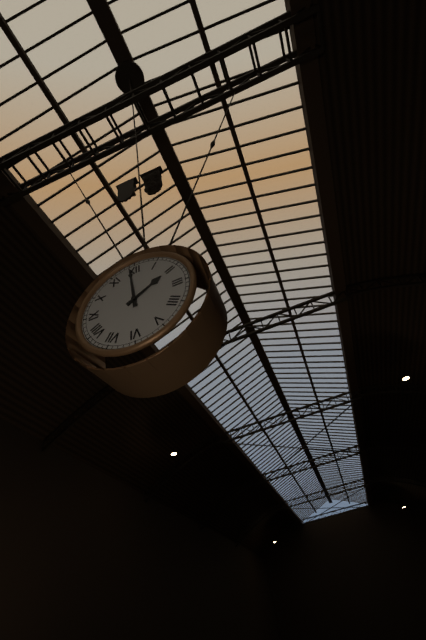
1:59
